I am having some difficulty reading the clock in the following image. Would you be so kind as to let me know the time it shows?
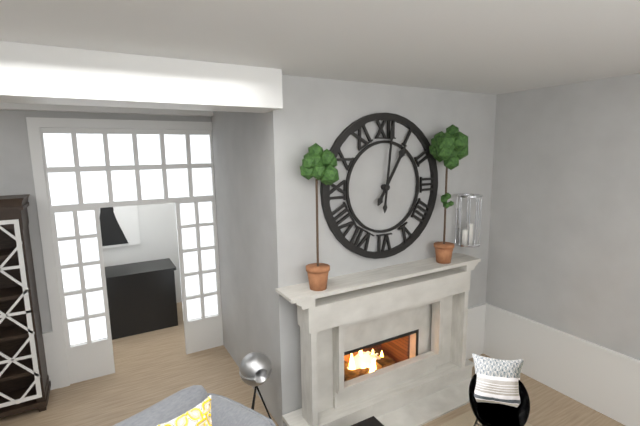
1:01
